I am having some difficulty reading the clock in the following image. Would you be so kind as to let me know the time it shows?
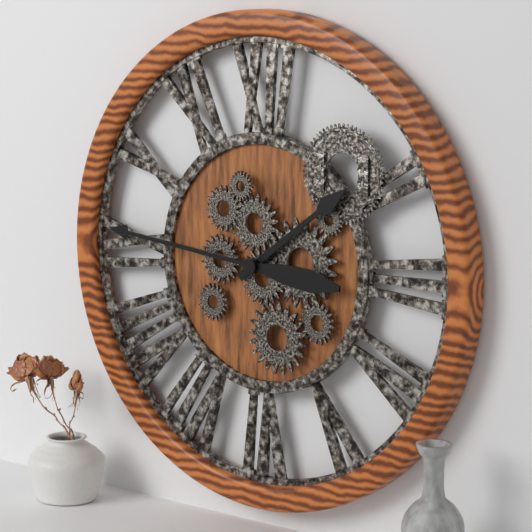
1:46
